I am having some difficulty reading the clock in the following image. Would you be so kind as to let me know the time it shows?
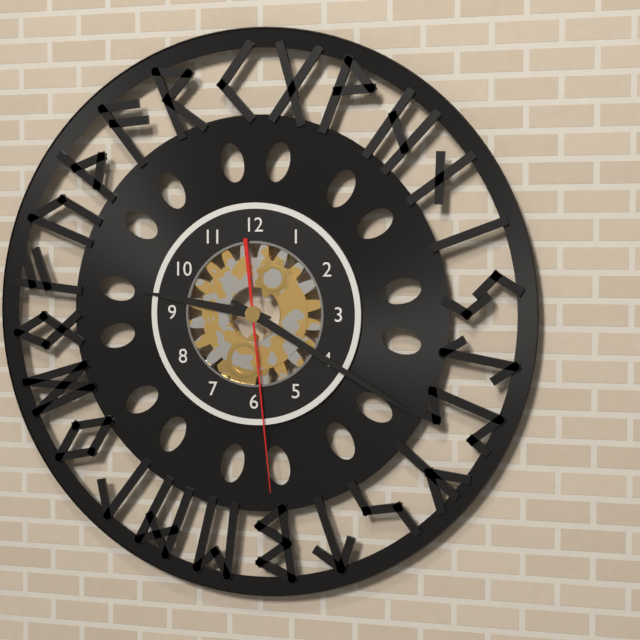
9:20:29
